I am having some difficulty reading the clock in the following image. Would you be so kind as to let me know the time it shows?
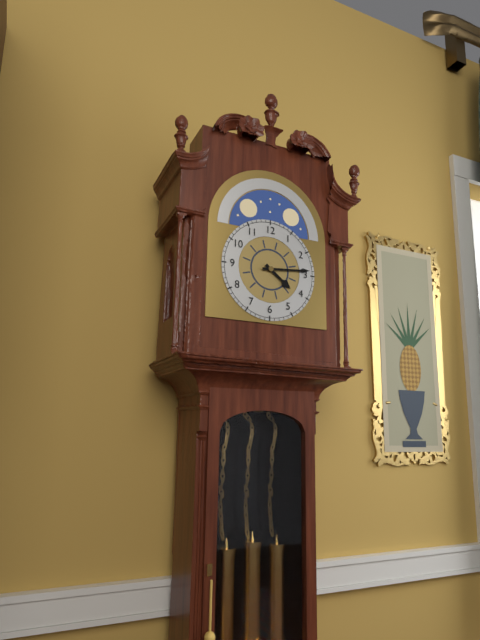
4:14
